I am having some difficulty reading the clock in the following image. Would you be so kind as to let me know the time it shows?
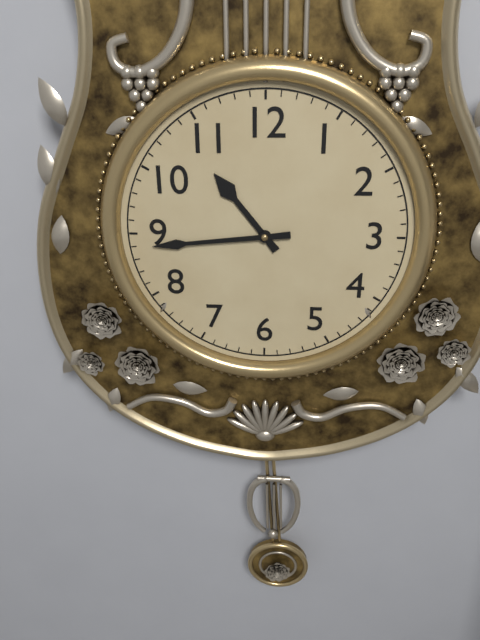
10:44
